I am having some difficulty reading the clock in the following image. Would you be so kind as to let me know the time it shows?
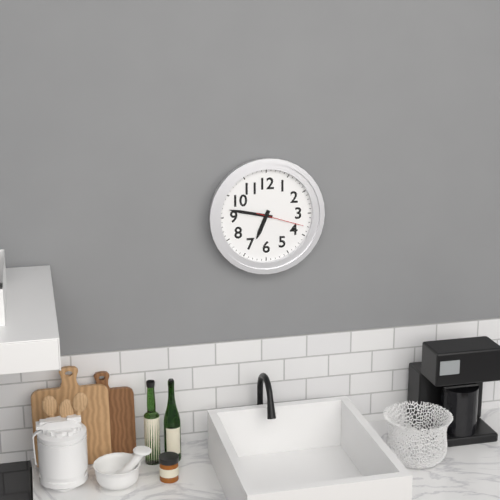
6:47
